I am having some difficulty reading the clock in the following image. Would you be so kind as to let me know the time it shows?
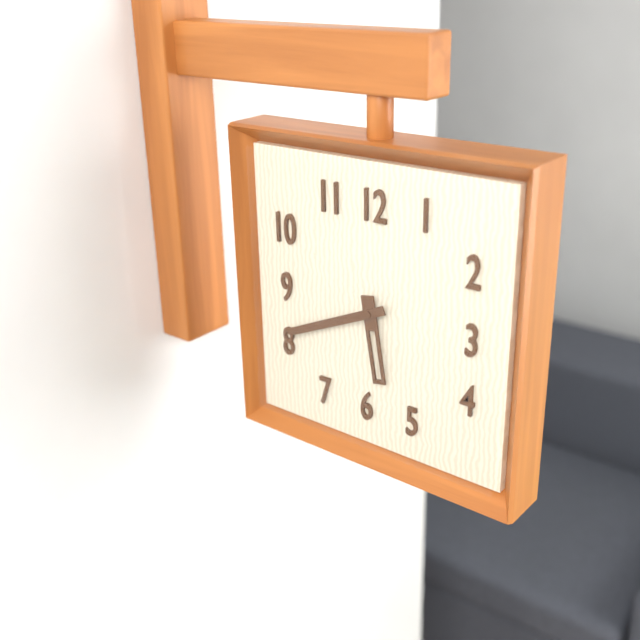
5:41
